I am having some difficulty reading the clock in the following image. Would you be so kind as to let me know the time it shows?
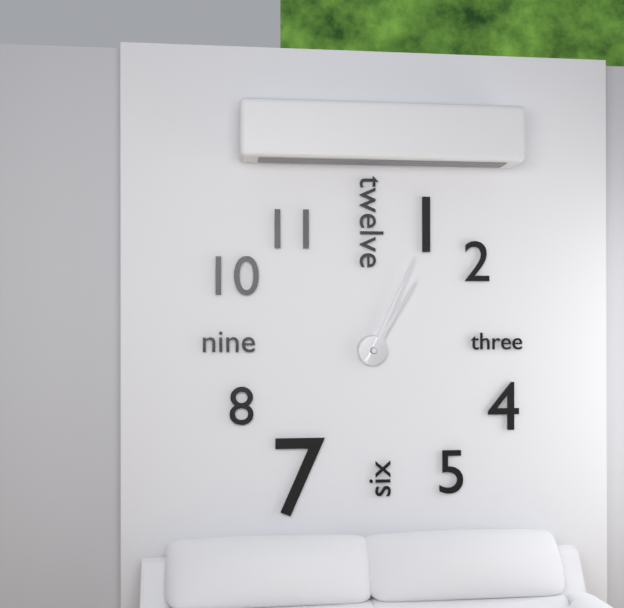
1:04
